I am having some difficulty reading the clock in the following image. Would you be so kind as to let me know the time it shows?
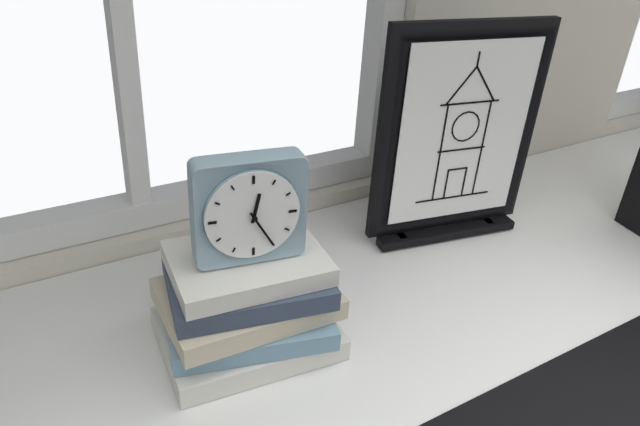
12:25
